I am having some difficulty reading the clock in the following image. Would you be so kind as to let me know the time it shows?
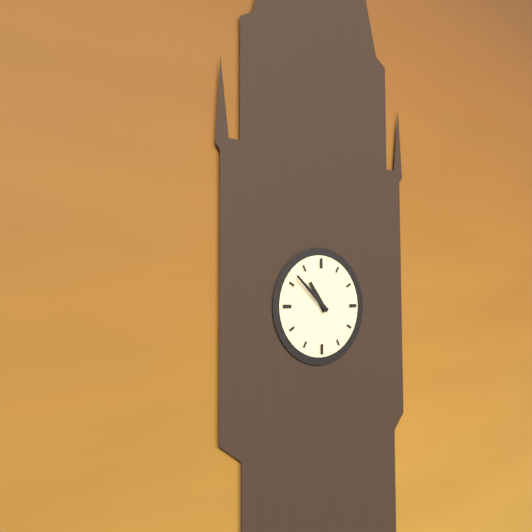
10:52
